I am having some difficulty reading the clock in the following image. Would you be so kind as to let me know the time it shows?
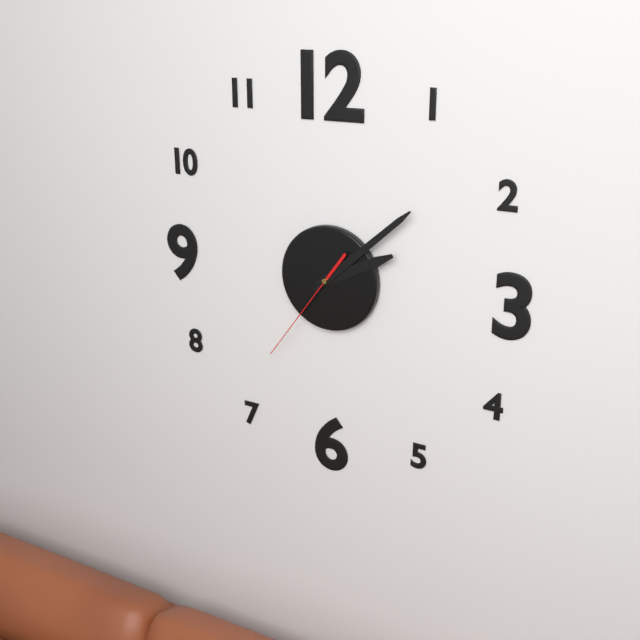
2:08:36
